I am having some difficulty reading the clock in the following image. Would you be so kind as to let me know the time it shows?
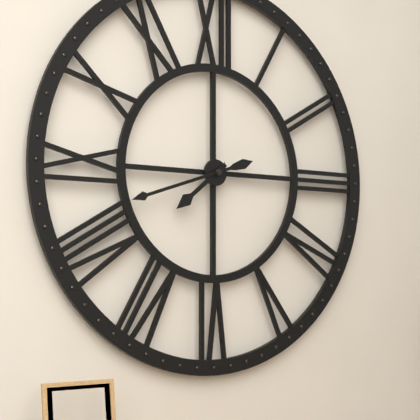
7:42
